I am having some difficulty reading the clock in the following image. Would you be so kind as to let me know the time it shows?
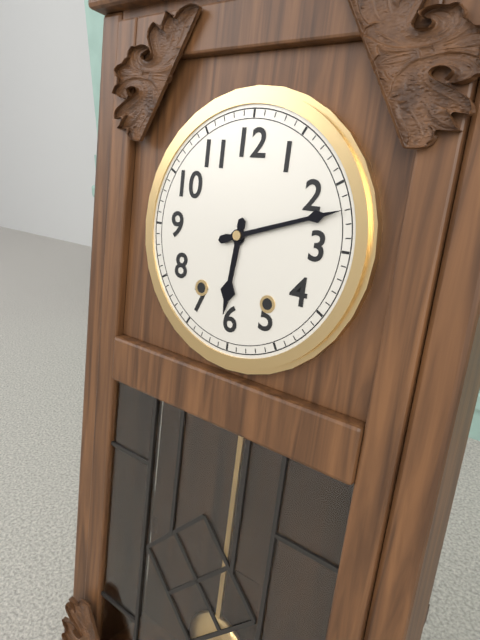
6:12
